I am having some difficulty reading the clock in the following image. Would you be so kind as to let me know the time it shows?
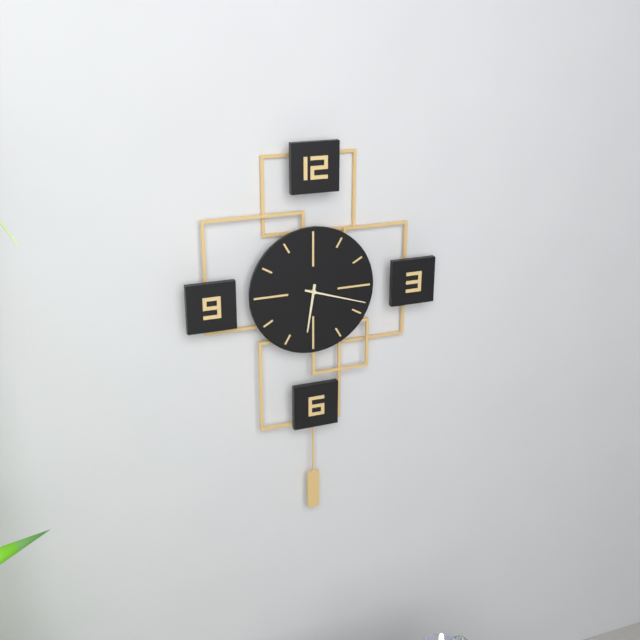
6:18
